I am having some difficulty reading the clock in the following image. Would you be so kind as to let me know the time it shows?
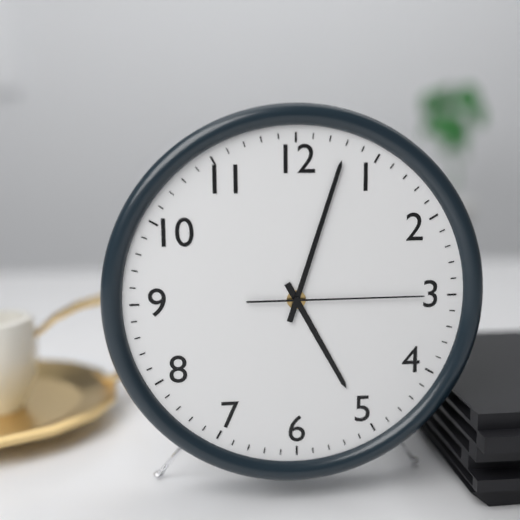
5:03:15
